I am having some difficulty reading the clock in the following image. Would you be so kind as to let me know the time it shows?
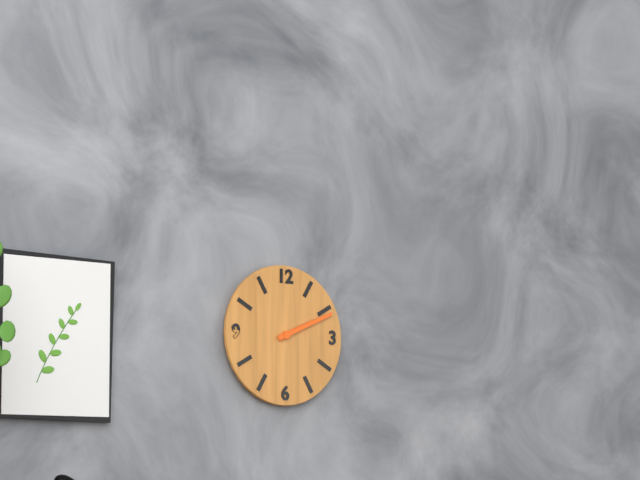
2:11
